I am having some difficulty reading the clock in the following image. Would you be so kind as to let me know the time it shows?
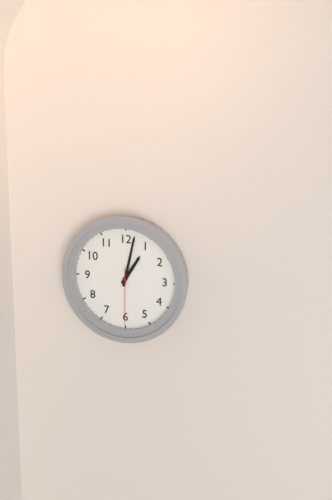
1:02:30
